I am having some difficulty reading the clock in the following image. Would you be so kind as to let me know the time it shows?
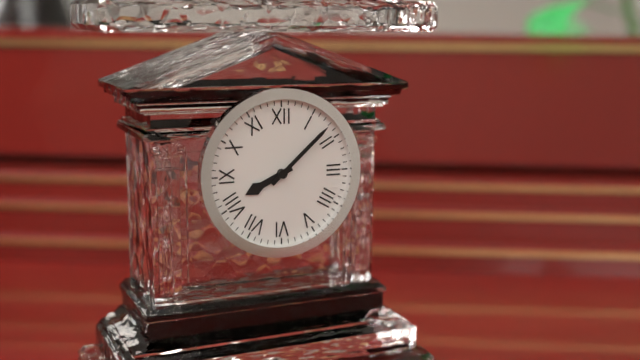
8:08
